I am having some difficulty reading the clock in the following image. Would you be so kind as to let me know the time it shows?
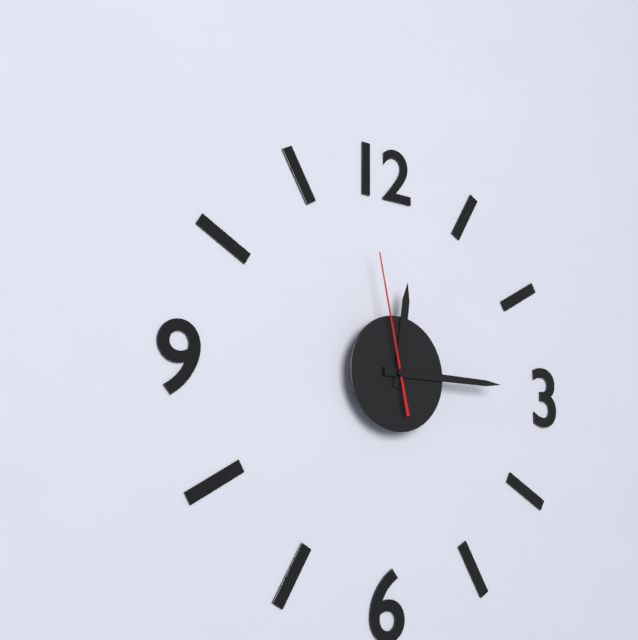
12:15:58
